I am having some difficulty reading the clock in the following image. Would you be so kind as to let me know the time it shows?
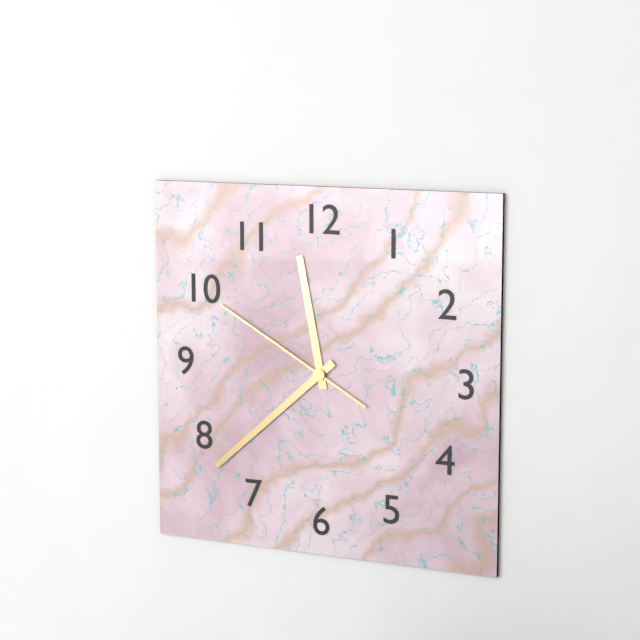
11:38:50
